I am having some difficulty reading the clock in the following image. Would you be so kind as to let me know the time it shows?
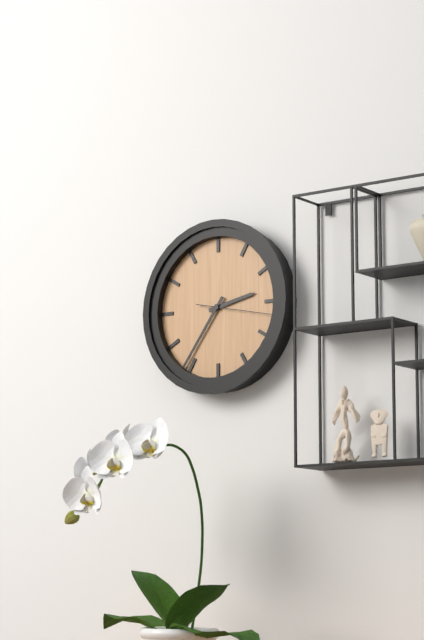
2:36:17
